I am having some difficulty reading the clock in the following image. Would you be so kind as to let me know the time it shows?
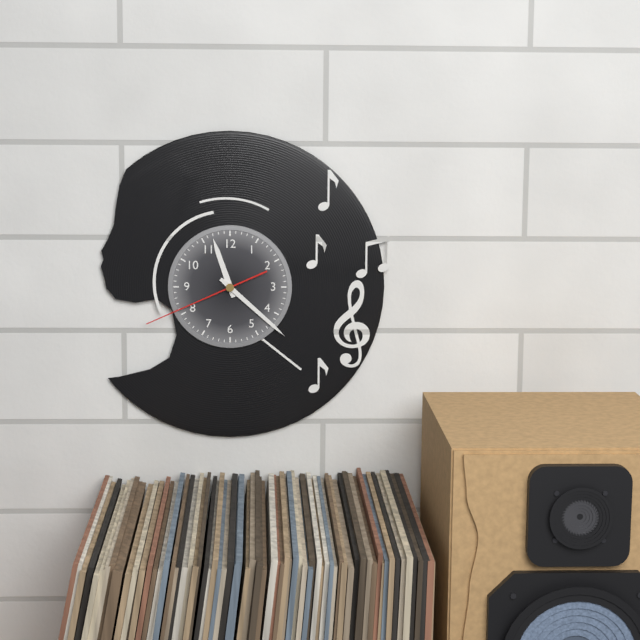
11:22:41
